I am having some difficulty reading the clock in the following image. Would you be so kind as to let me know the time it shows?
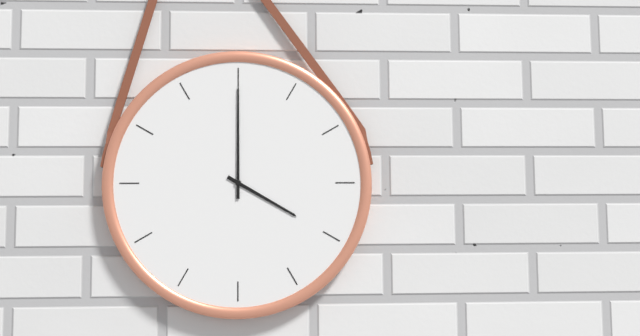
4:00
